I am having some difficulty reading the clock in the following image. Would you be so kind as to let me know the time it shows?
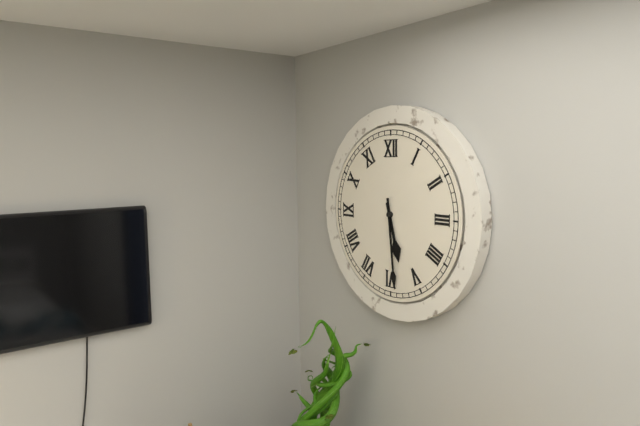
5:29
